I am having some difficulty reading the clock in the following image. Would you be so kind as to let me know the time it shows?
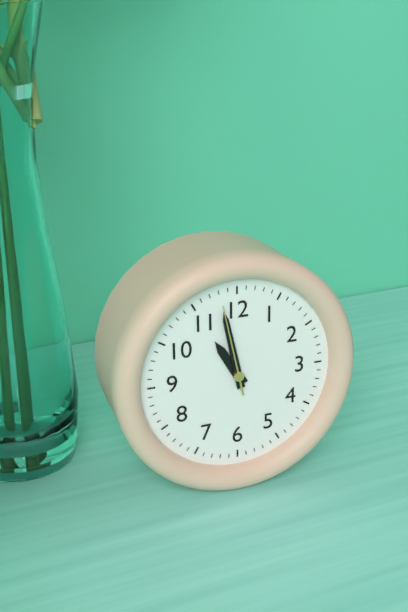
10:58:58
